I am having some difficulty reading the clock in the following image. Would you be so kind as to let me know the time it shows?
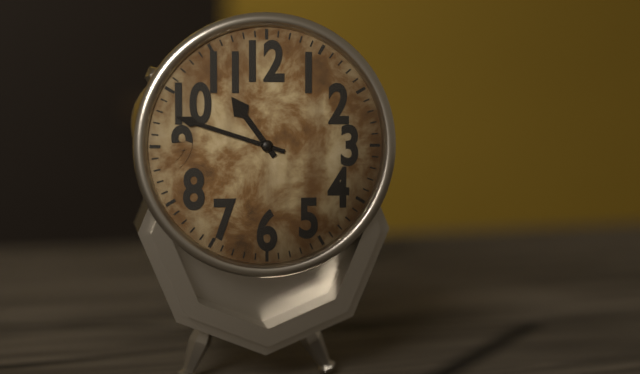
10:48
